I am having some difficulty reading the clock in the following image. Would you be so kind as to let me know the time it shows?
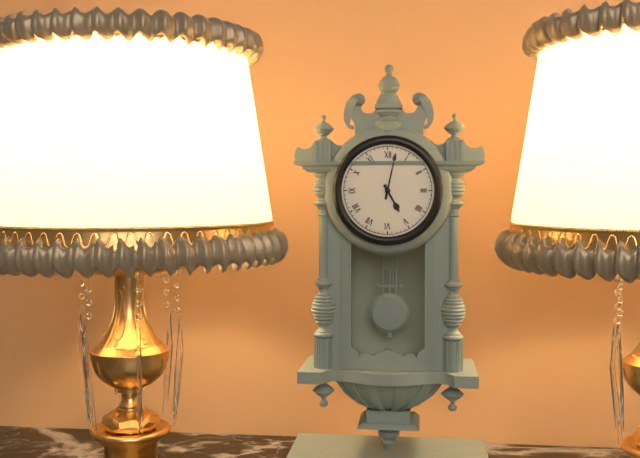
5:02
